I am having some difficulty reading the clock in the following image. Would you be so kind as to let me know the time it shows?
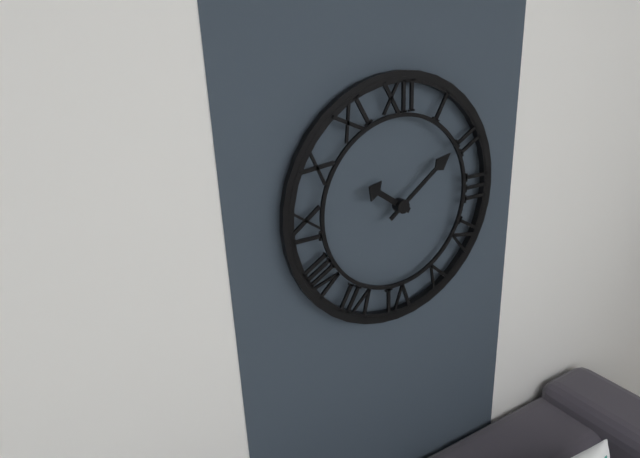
10:09
